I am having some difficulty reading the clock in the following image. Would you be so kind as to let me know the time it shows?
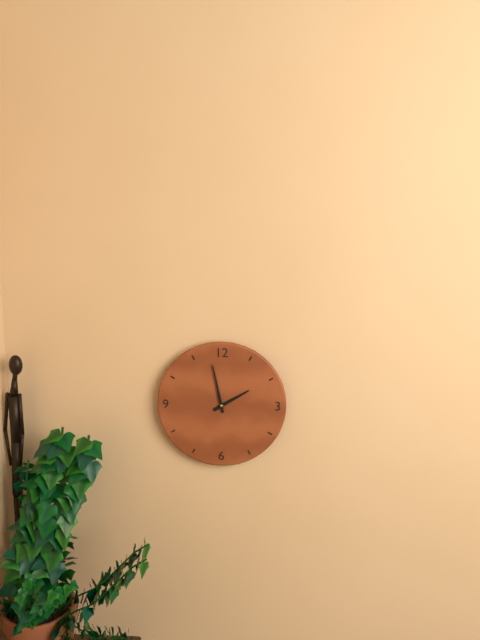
1:58
